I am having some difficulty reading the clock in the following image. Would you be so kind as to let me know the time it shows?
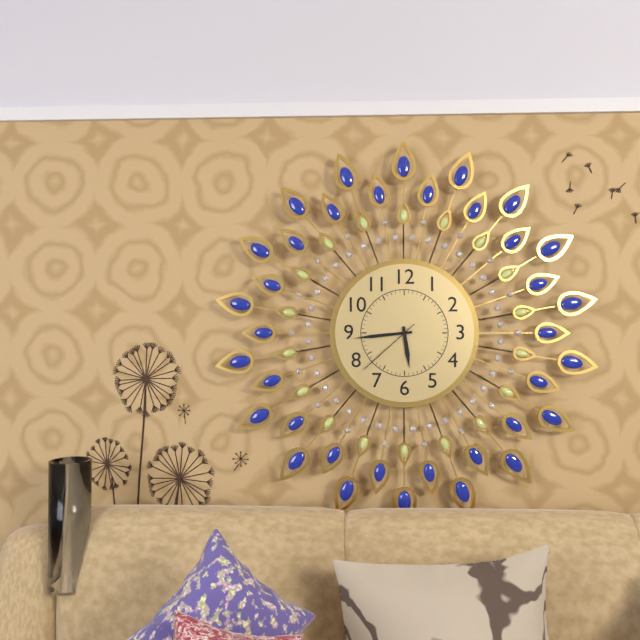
5:44:38
